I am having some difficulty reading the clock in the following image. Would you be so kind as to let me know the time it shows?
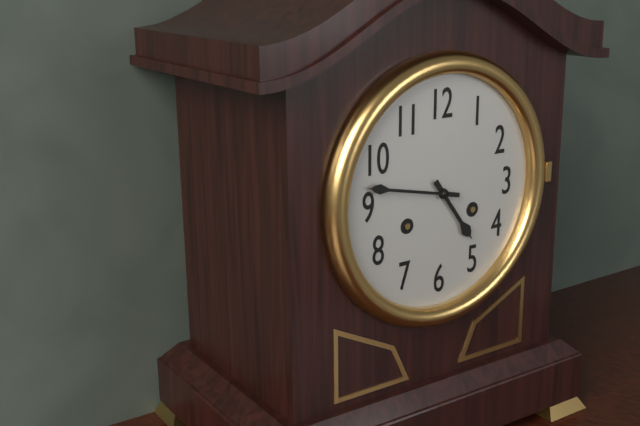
4:47
